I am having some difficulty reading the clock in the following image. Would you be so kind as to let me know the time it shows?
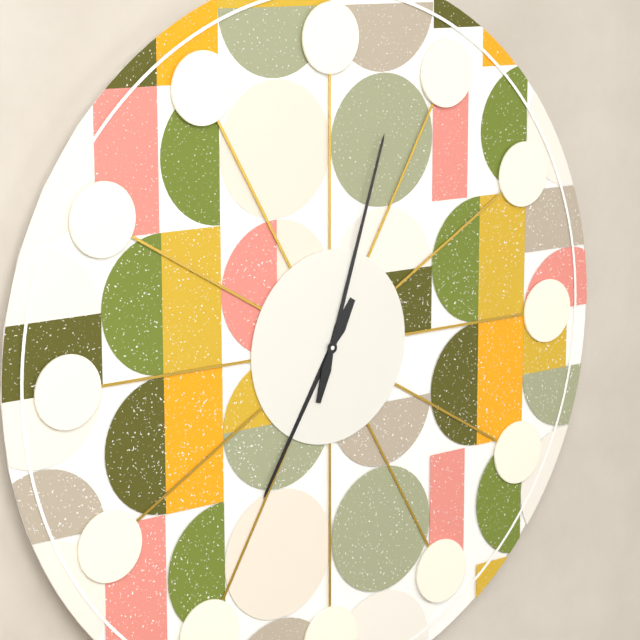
7:03
